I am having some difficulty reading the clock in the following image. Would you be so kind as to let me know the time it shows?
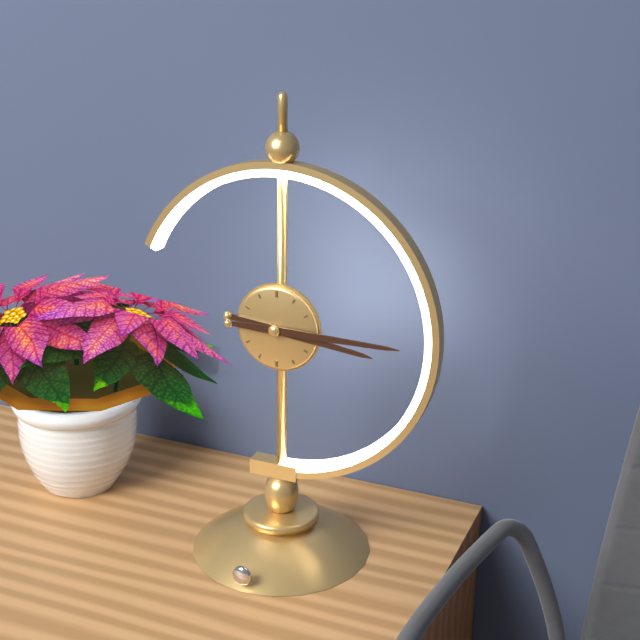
3:15
